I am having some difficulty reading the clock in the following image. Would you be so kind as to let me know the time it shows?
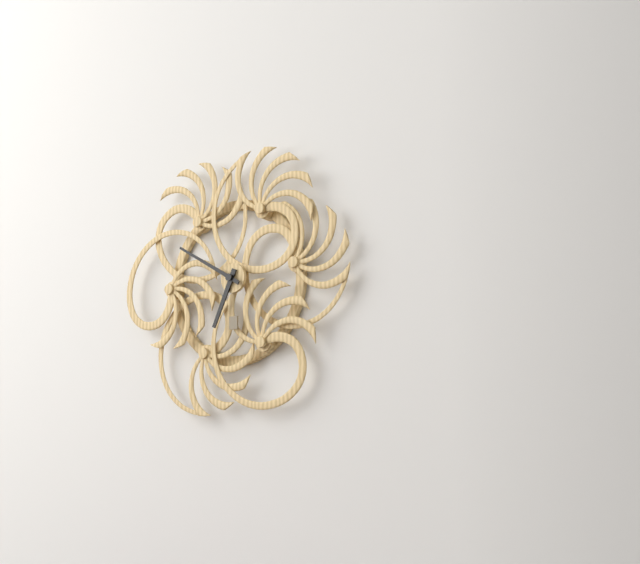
6:50
